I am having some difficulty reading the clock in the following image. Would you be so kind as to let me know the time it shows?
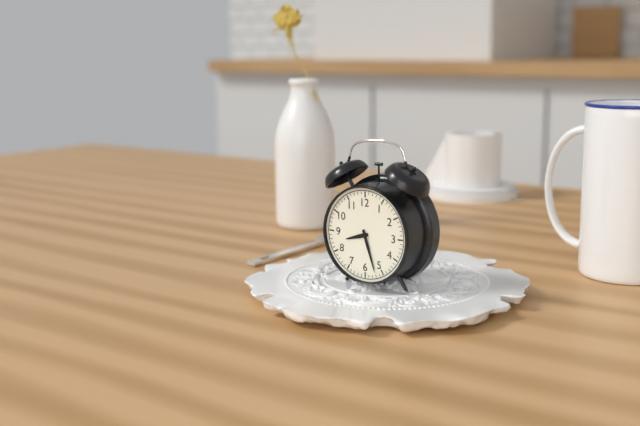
8:27
